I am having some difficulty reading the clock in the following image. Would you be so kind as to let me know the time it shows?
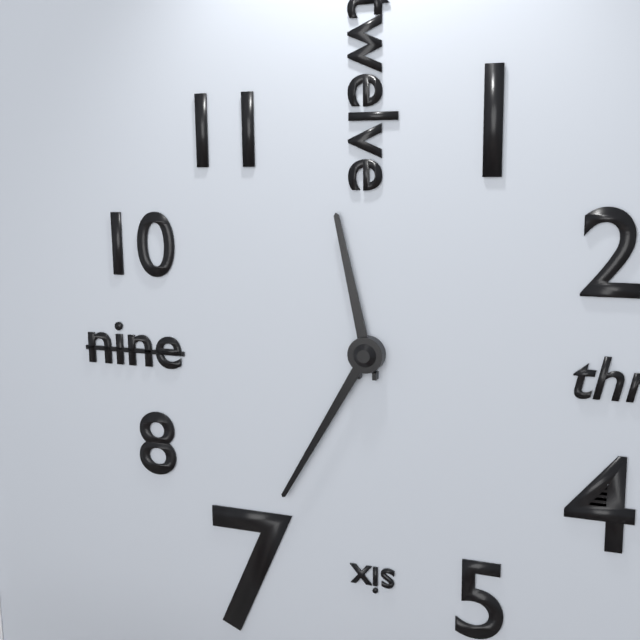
11:35
